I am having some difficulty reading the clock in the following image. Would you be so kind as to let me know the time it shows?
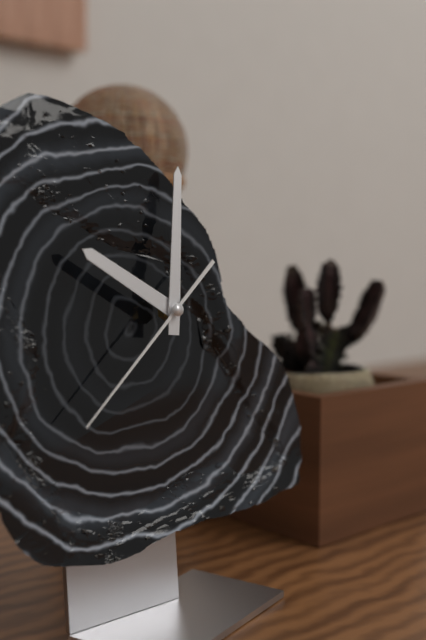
10:01:38
